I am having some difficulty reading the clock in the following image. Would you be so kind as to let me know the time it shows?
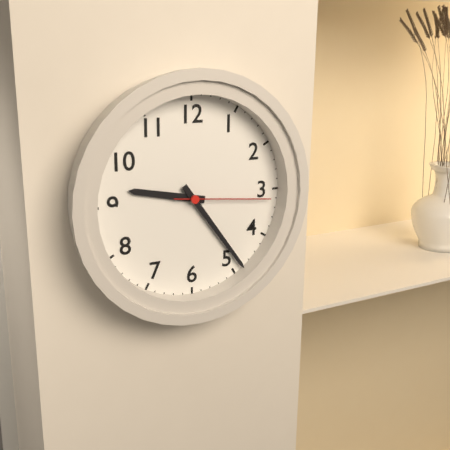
9:24:16
